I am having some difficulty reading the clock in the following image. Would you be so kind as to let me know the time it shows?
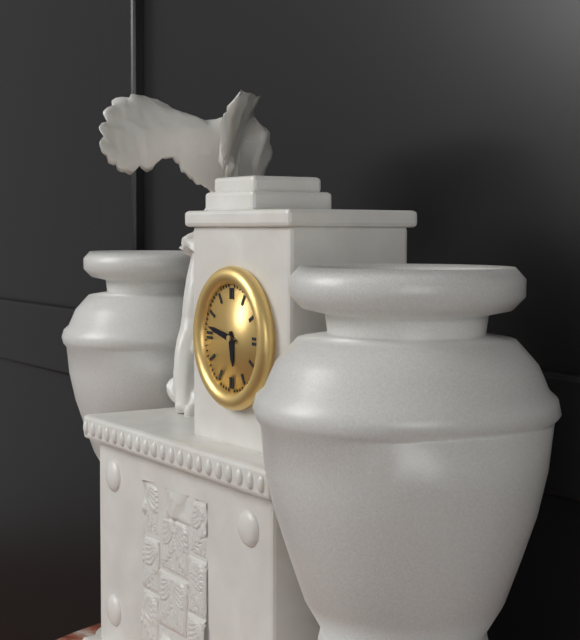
5:47
